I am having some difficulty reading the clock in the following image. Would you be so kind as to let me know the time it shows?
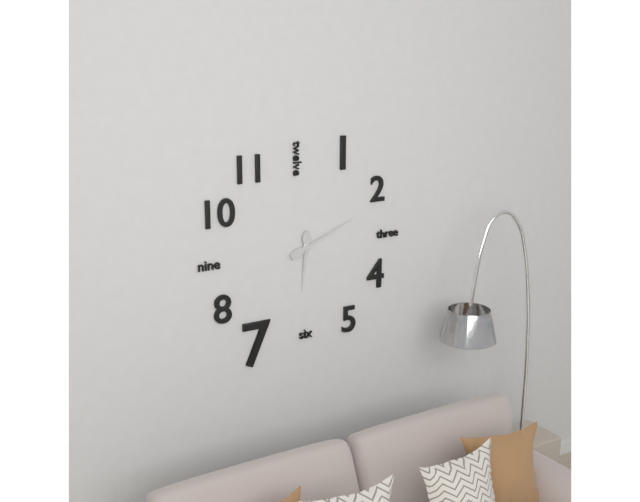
6:11
